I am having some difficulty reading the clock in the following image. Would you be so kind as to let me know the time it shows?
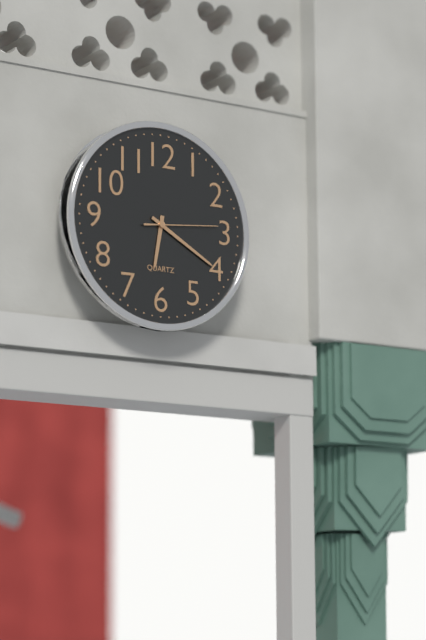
6:20:14
